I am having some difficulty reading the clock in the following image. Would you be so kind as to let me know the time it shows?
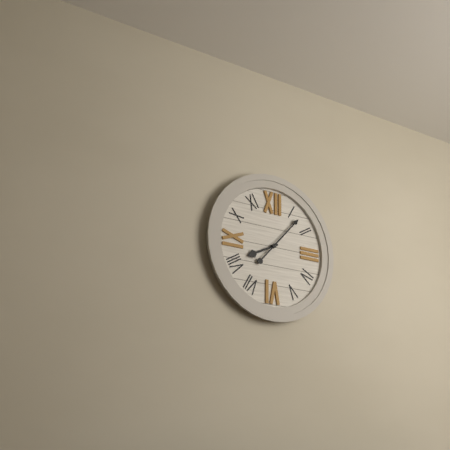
8:07
